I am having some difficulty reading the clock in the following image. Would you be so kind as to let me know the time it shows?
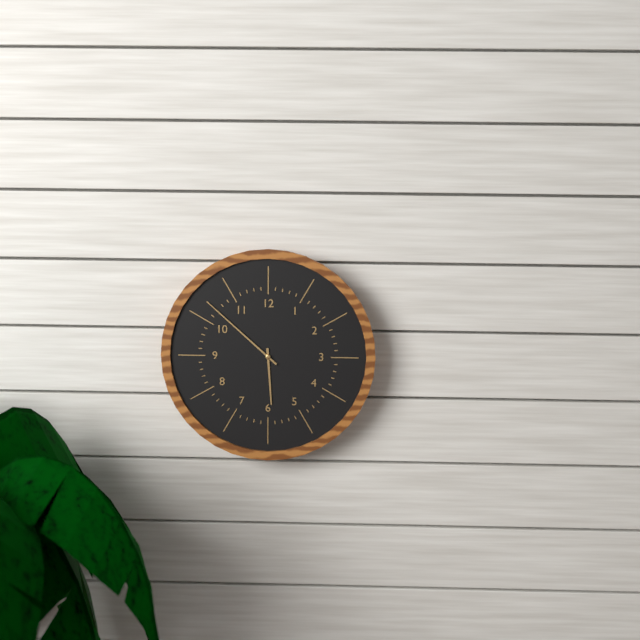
5:52
